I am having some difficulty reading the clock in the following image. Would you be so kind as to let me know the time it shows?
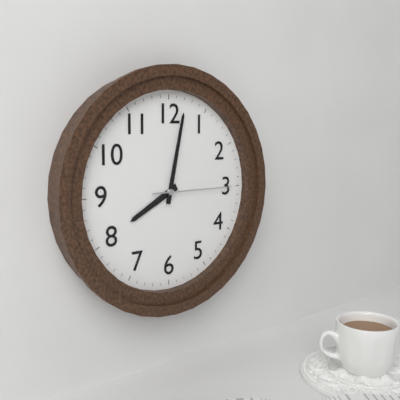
8:02:15
